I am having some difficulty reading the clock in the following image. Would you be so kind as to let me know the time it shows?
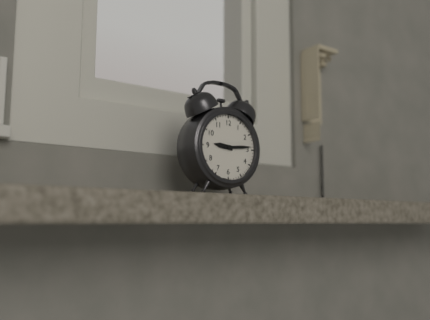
9:14
